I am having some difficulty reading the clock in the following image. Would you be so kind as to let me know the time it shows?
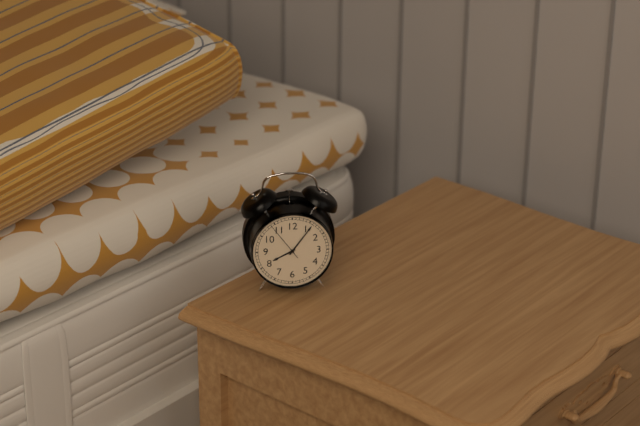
8:06
